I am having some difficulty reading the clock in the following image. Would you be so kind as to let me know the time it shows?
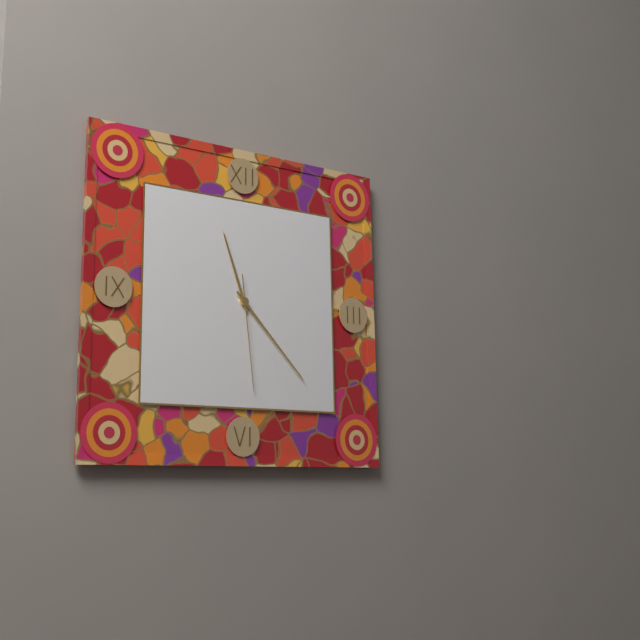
11:23:29
